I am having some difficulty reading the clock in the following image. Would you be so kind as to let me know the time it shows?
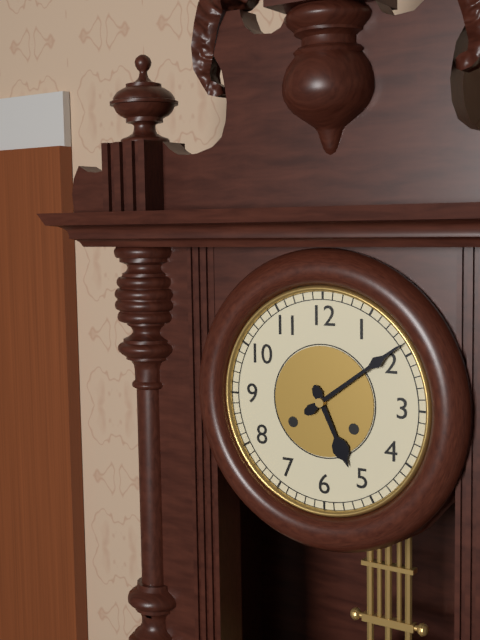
5:09
